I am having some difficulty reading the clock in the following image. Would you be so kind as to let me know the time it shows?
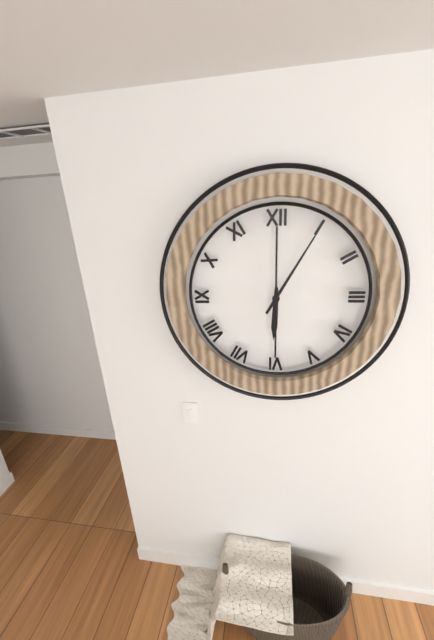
6:05
